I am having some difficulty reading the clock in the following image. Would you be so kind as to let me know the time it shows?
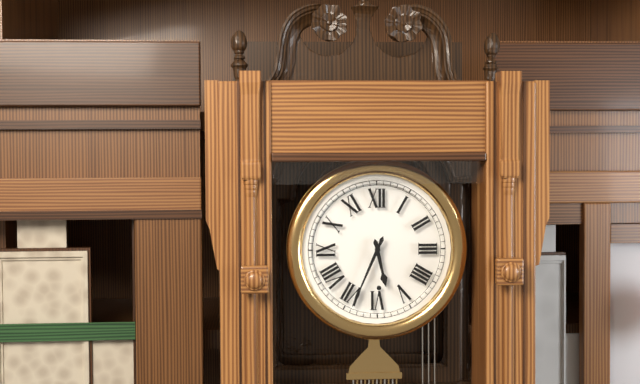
5:34
